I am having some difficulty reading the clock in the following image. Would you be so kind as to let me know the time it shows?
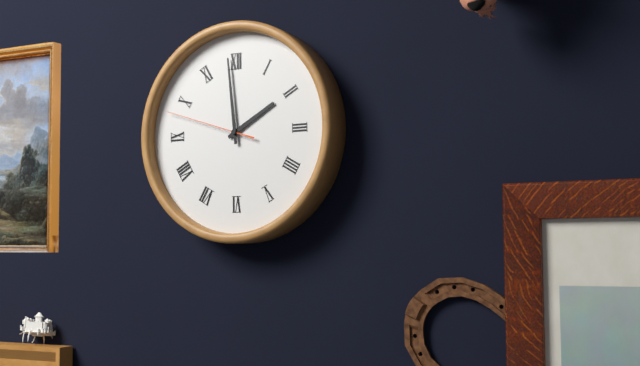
1:59:48
